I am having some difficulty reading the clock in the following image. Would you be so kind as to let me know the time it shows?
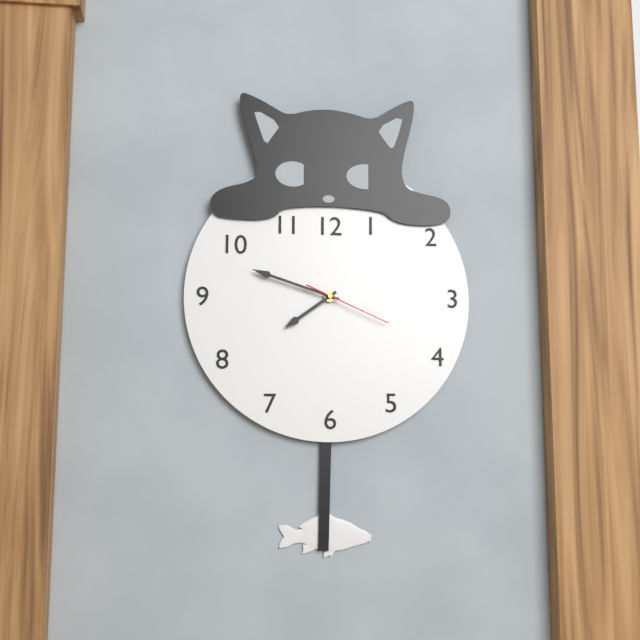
7:48:19
